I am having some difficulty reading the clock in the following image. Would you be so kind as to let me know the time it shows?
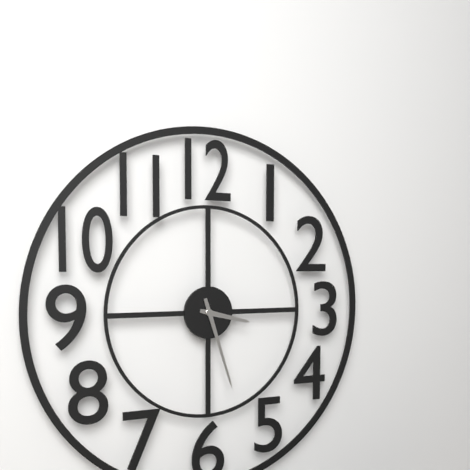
3:27
